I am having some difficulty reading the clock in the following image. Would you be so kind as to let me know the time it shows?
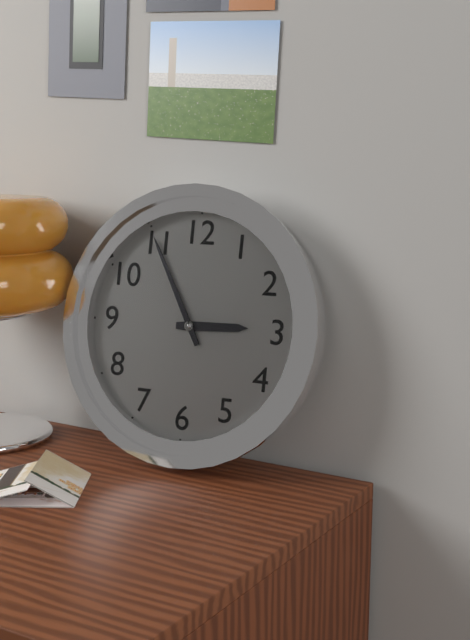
2:55
